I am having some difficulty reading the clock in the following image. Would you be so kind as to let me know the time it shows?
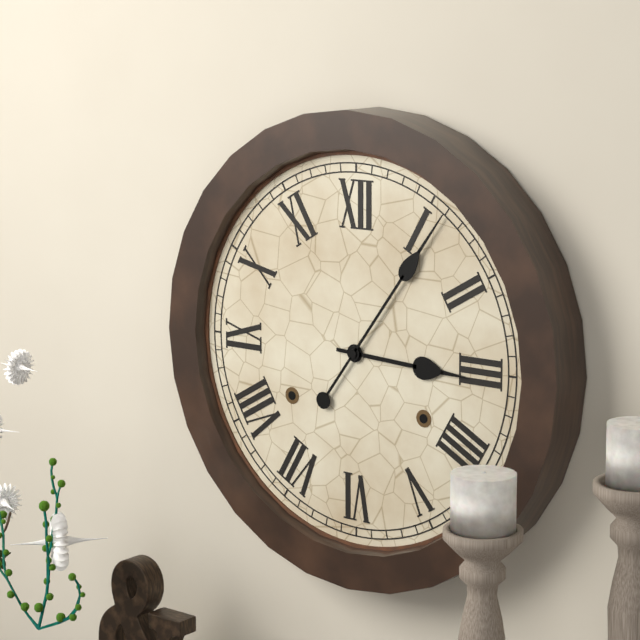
3:06
